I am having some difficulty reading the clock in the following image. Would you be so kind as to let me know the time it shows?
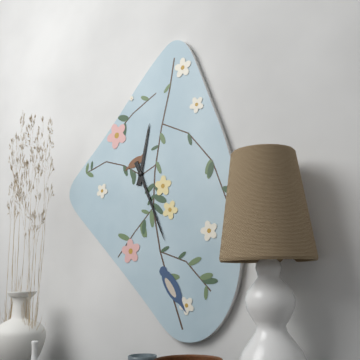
12:26
